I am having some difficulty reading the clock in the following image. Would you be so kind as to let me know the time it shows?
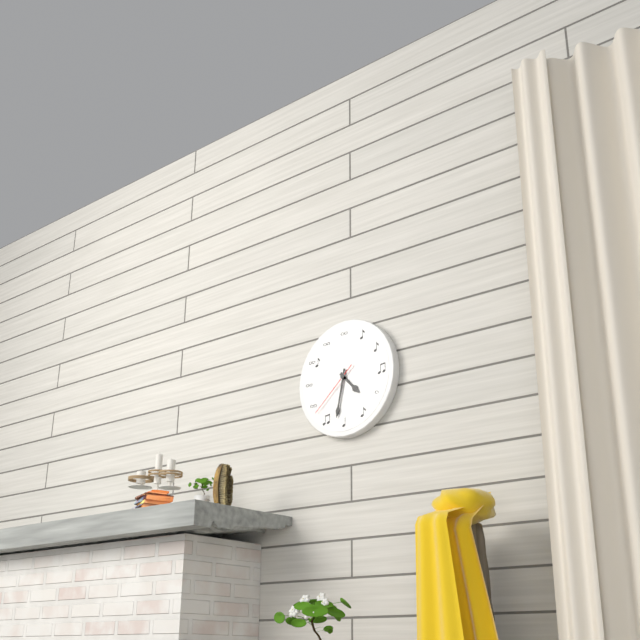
4:32:38
